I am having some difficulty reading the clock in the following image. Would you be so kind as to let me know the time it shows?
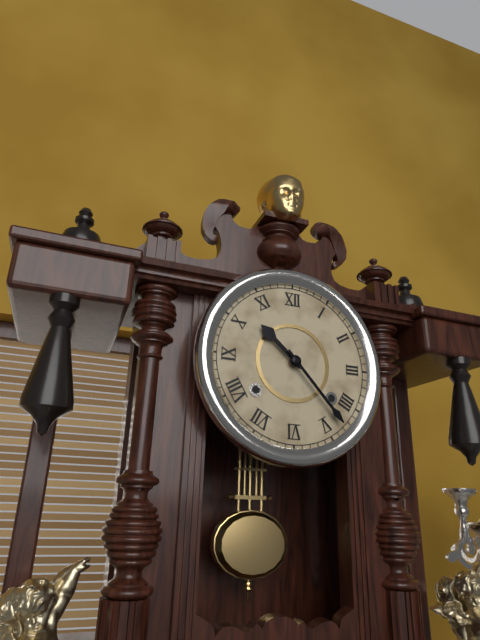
10:23
